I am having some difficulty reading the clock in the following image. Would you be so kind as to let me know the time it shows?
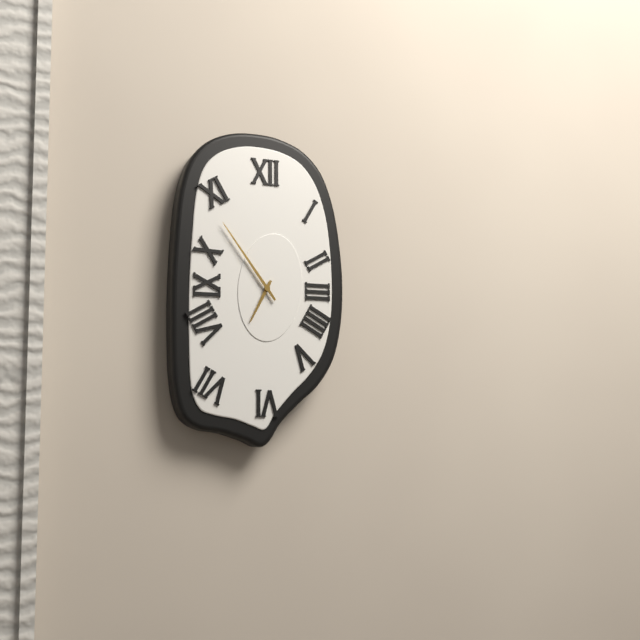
6:54
